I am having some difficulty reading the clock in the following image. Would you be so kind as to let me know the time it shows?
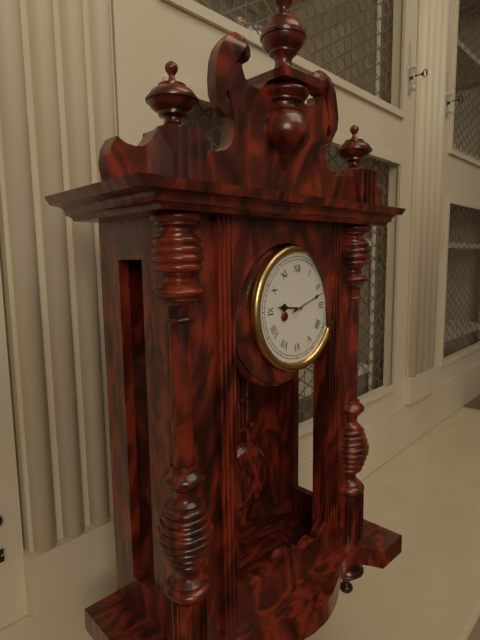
9:12
